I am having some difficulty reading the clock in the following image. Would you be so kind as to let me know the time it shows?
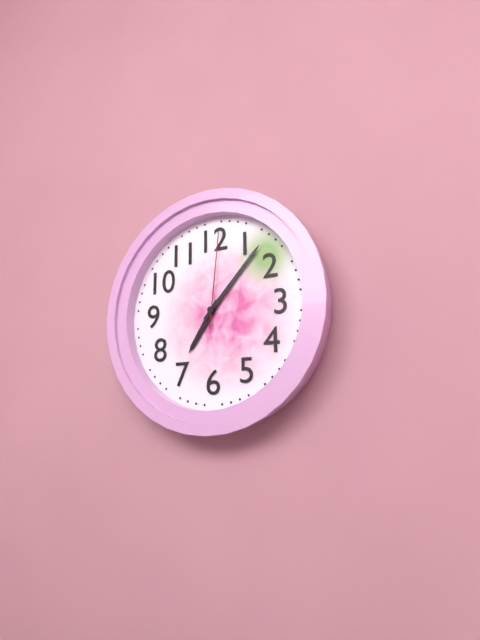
7:07:01
